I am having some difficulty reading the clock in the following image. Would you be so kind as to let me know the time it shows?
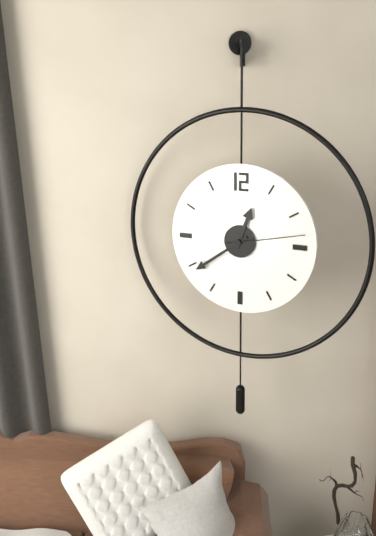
12:39:13
